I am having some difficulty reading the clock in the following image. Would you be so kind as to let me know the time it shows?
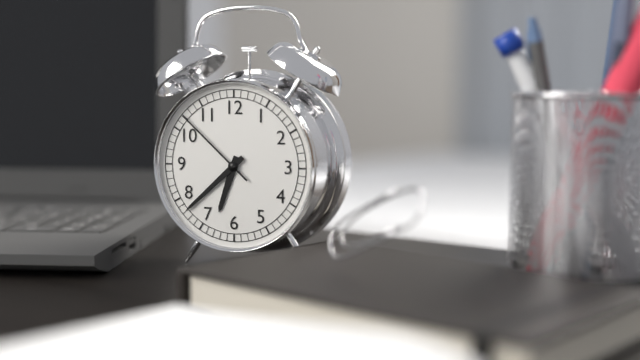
6:38:52
